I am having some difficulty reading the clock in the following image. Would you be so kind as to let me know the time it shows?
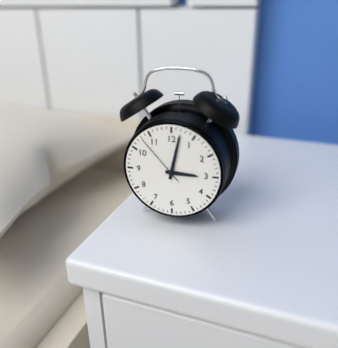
3:02:53
